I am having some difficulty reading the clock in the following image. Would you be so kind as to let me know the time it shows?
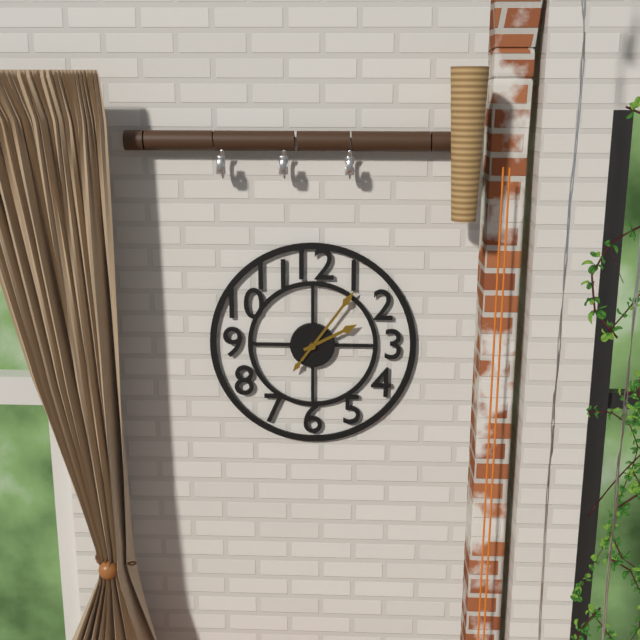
2:06
